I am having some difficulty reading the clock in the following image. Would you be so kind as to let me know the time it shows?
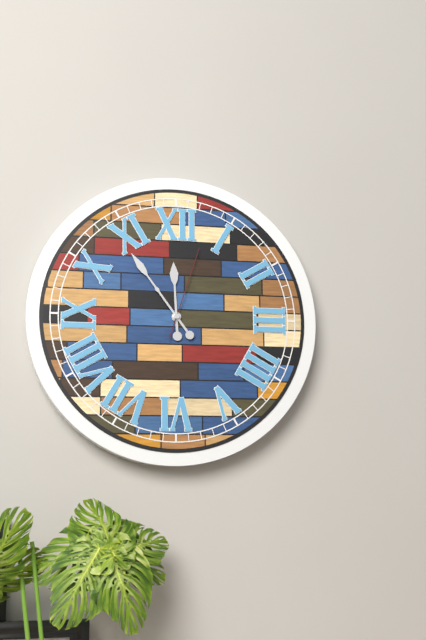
11:54:03
